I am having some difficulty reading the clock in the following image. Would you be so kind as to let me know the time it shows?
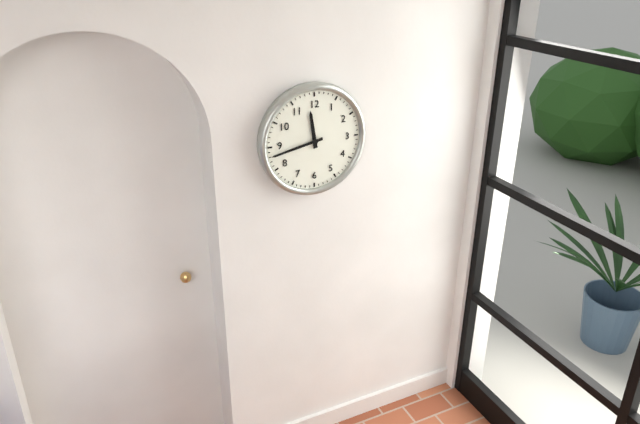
11:43
